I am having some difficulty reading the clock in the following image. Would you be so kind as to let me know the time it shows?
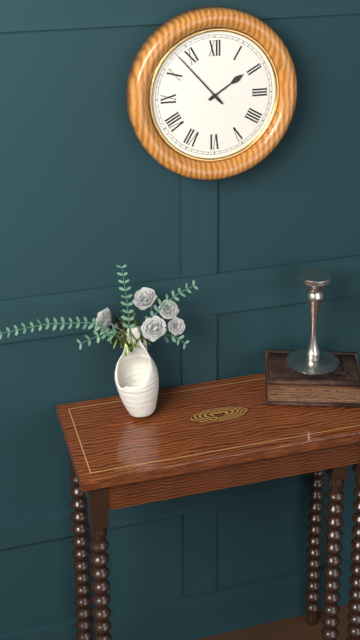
1:53
